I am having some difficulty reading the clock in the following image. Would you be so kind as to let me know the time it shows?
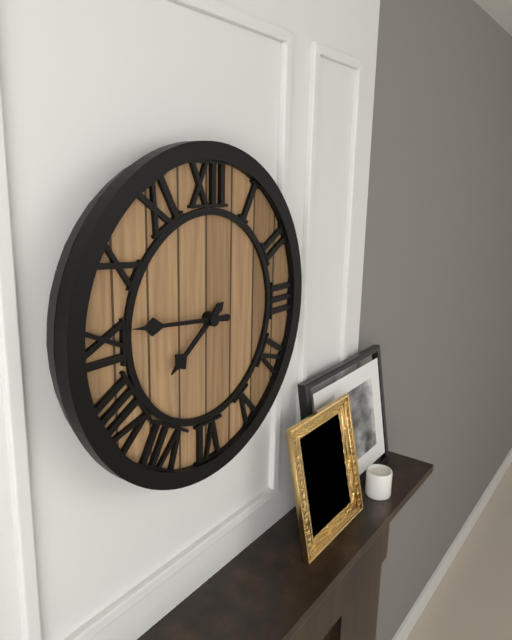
7:46
